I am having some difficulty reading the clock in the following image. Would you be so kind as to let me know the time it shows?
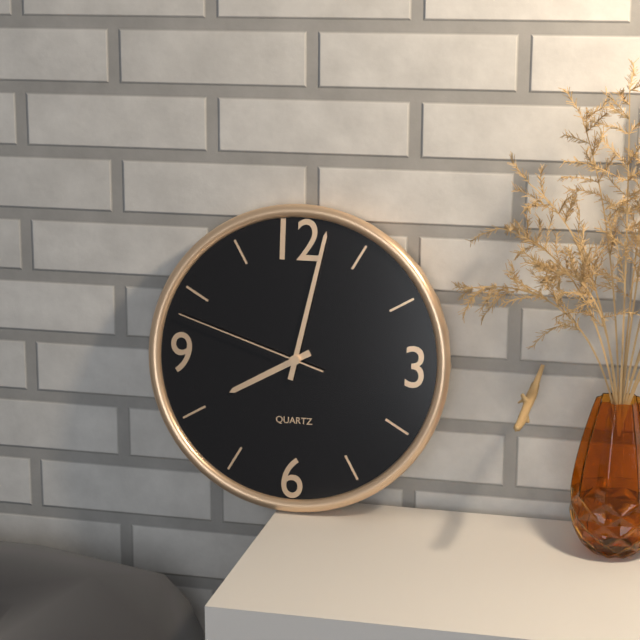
8:02:48
